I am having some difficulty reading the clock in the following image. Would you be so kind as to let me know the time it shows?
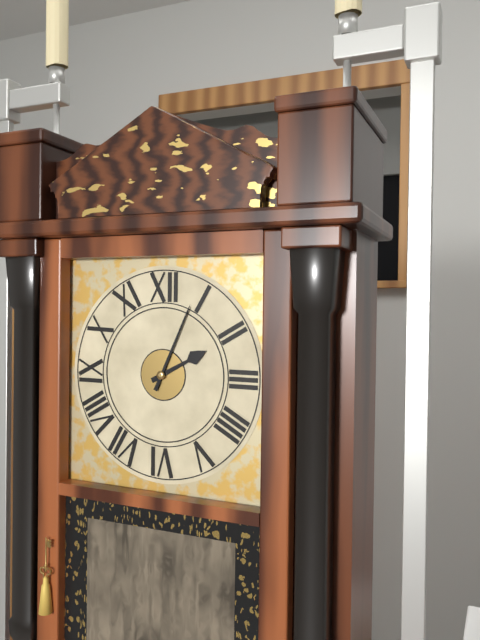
2:04
